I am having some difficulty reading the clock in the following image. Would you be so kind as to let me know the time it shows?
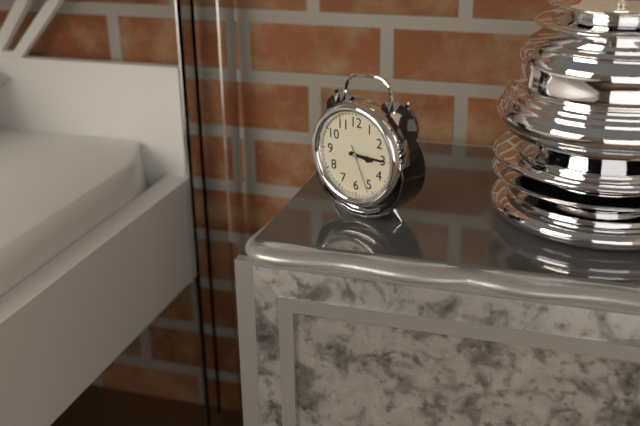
3:15
